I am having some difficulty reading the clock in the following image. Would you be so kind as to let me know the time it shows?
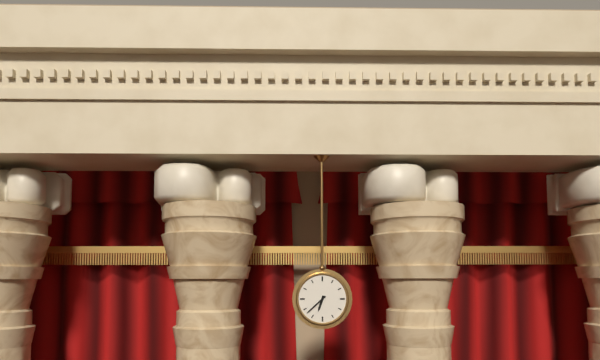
6:38
